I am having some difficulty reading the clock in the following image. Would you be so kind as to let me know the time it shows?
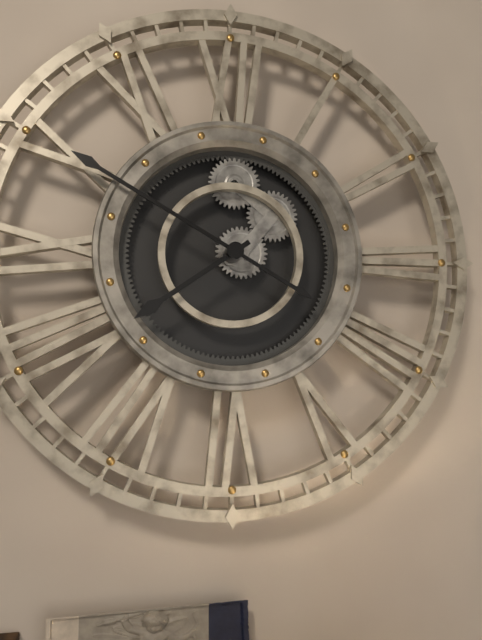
7:50
